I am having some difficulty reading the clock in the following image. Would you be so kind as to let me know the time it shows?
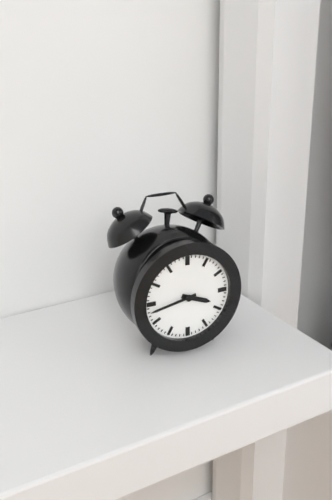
3:43
